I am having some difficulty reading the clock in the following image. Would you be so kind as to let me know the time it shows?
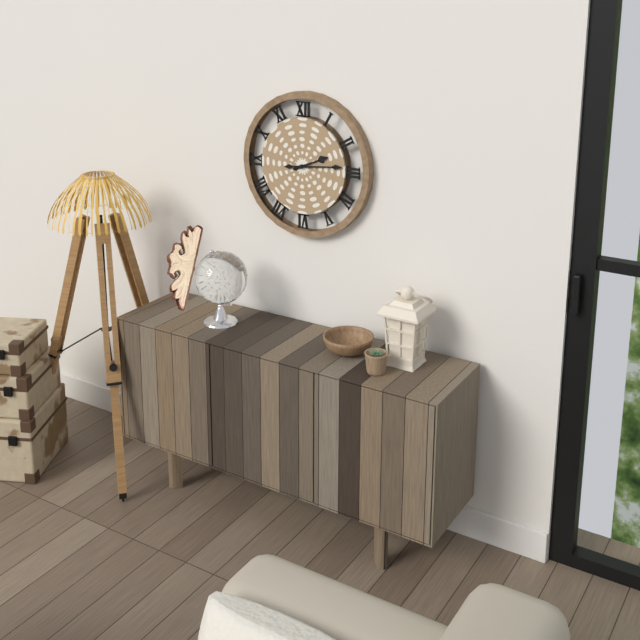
2:14
